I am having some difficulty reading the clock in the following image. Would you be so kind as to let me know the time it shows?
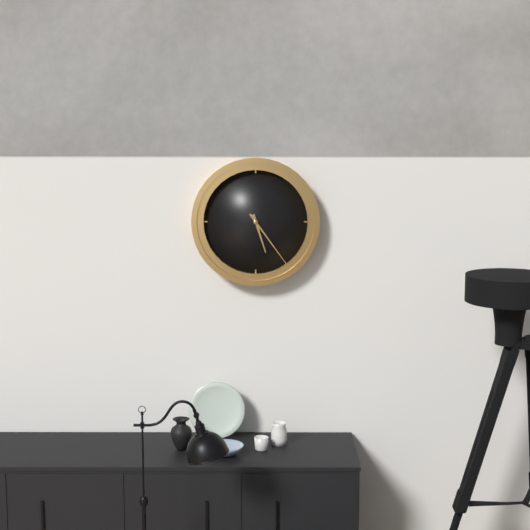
5:24
